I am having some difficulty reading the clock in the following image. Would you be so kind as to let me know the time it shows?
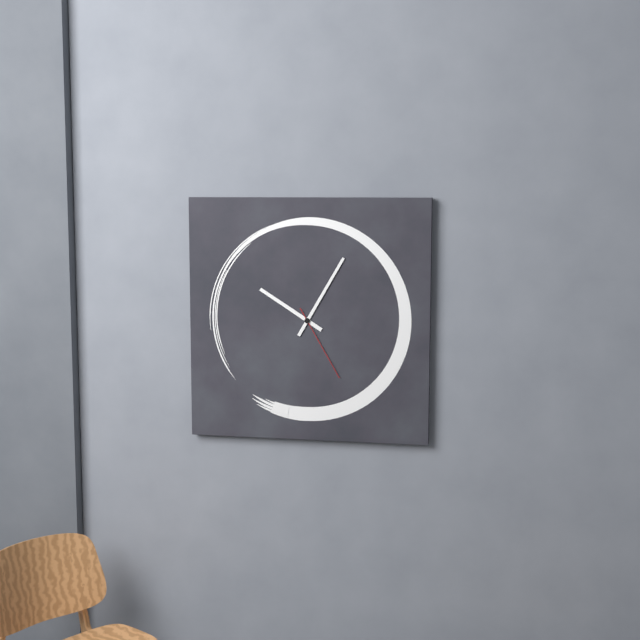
10:05:25
